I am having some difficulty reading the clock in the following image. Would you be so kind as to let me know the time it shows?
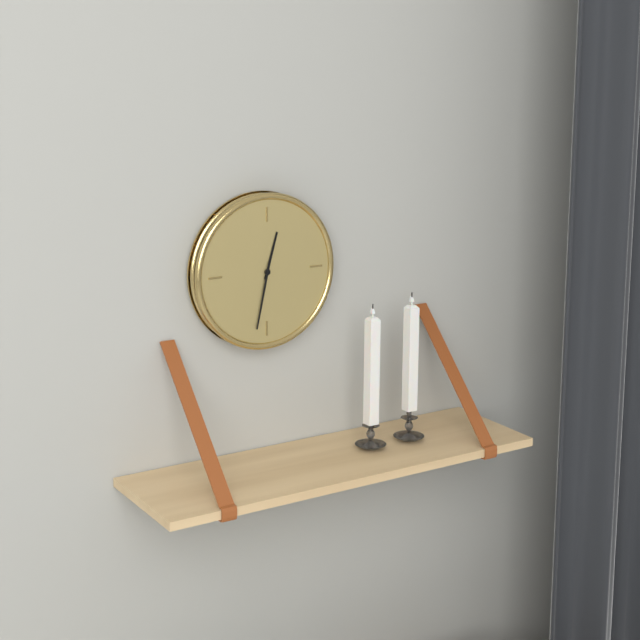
12:32
